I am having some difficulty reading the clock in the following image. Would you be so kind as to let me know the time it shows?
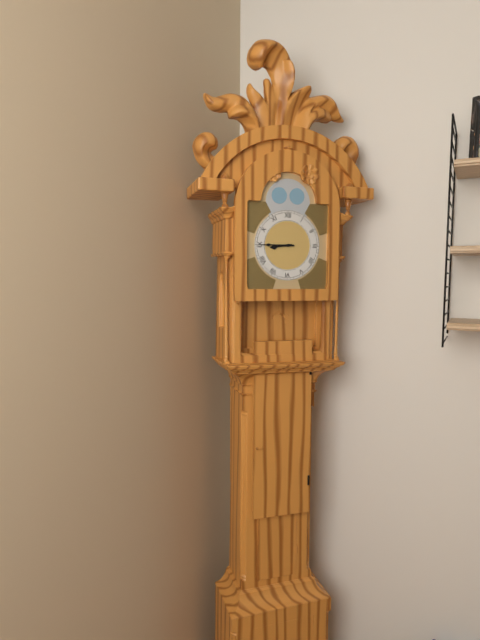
8:45
